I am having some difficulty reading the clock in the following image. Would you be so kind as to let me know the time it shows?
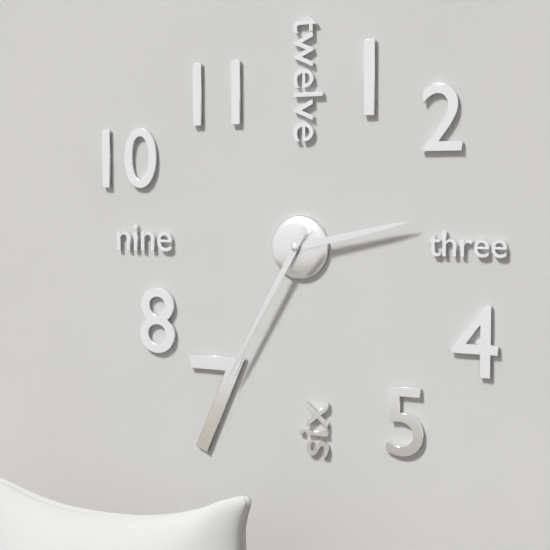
2:35
